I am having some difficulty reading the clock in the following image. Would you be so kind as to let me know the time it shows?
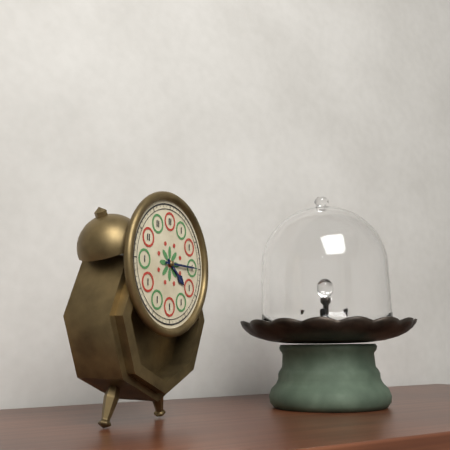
4:15
